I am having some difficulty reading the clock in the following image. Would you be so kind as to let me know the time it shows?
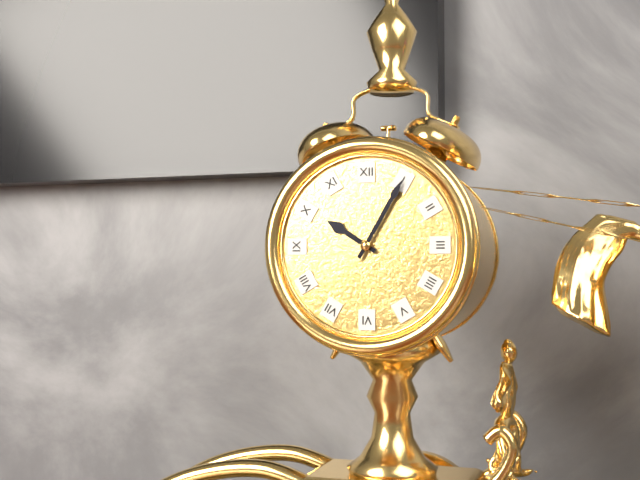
10:05
